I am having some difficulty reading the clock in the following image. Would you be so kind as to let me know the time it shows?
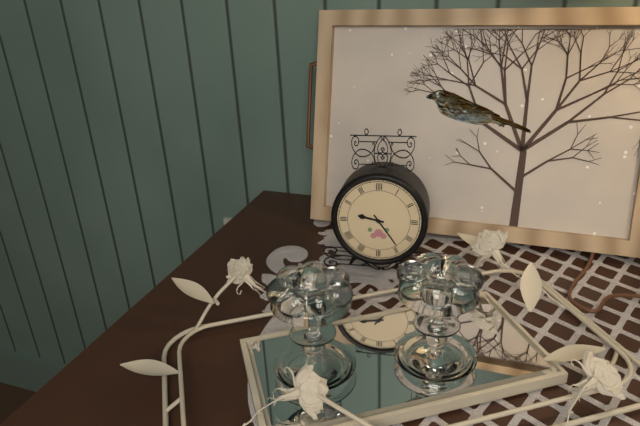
9:24
